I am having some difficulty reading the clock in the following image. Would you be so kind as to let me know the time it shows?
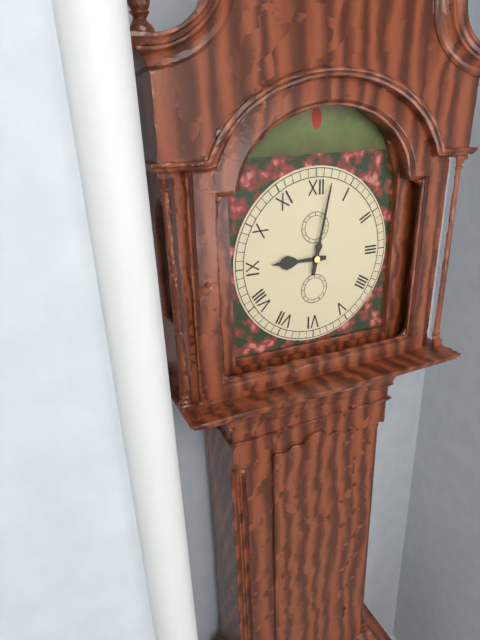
9:02
